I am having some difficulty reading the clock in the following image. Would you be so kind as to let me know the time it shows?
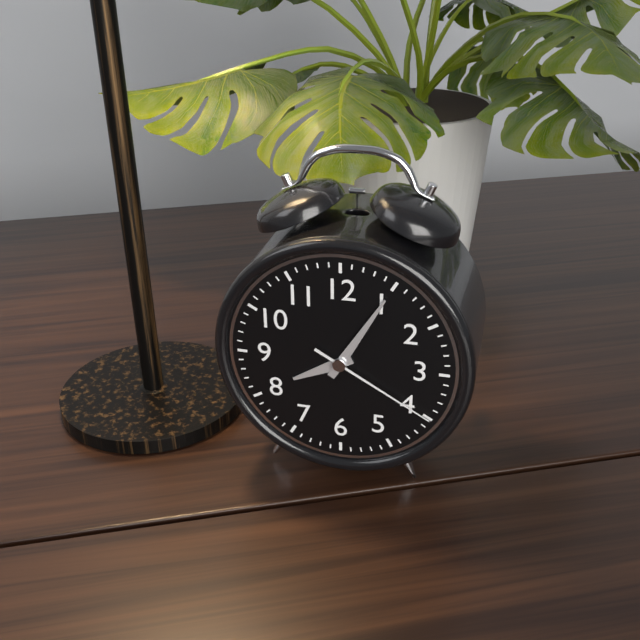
8:05:20
